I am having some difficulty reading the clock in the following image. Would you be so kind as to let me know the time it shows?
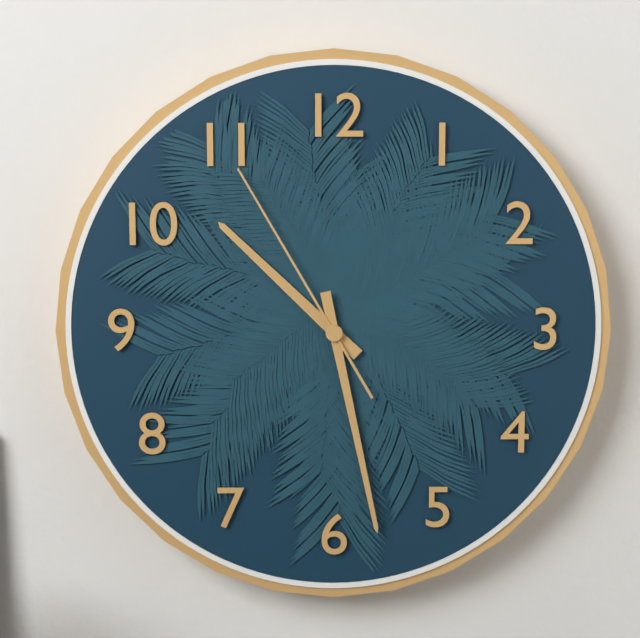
10:28:55
